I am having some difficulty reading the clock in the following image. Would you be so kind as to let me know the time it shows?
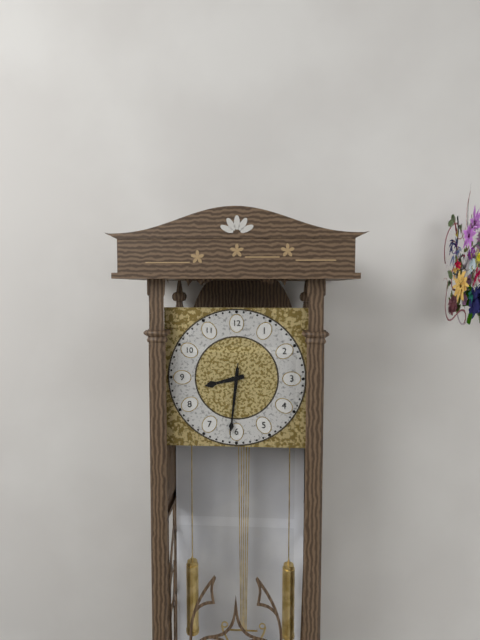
8:31:31
